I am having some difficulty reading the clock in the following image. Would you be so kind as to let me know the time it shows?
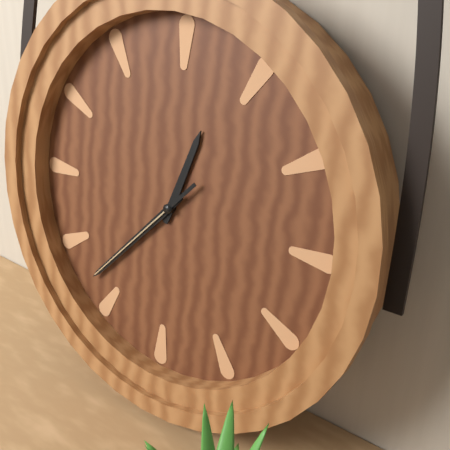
12:37:37
